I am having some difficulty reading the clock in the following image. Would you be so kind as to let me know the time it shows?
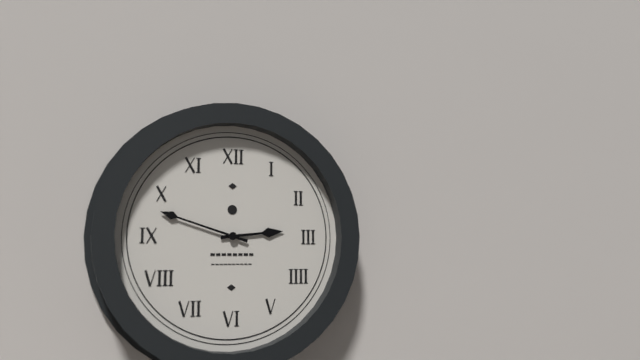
2:48
